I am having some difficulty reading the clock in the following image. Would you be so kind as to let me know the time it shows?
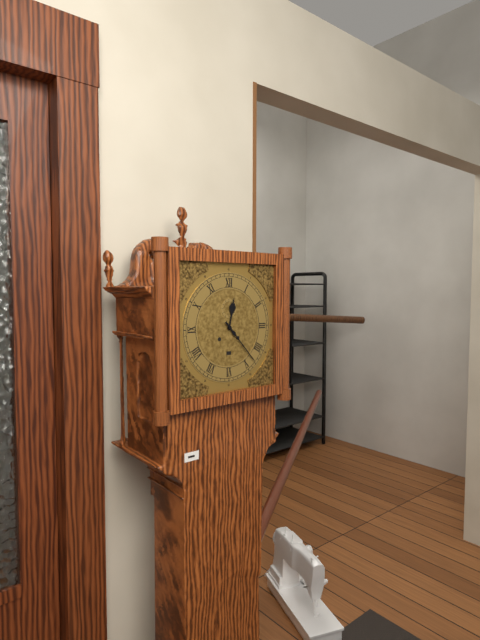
12:23
